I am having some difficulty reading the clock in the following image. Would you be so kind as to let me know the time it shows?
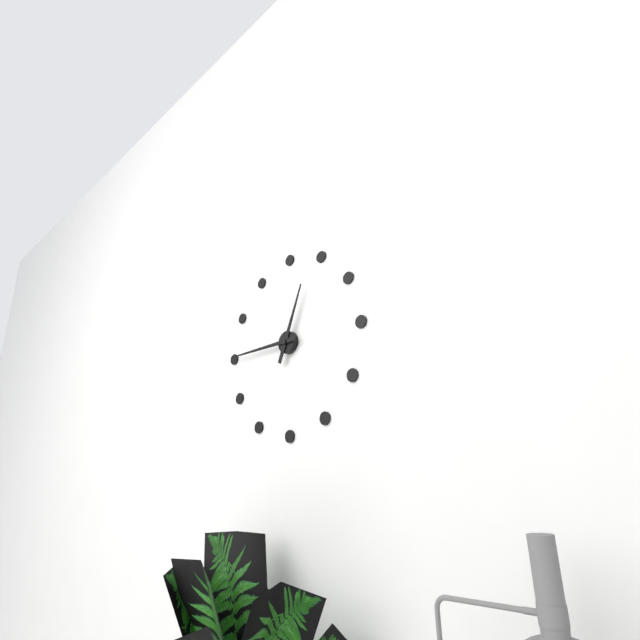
12:45
